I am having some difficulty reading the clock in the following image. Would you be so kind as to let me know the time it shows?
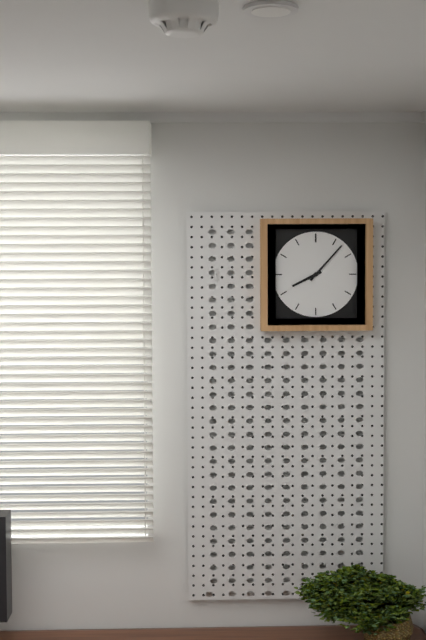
8:07
